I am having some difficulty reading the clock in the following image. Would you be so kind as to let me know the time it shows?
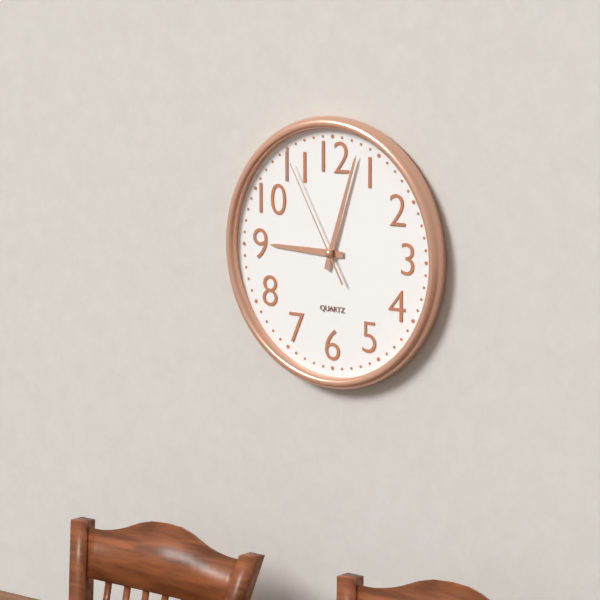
9:03:55
